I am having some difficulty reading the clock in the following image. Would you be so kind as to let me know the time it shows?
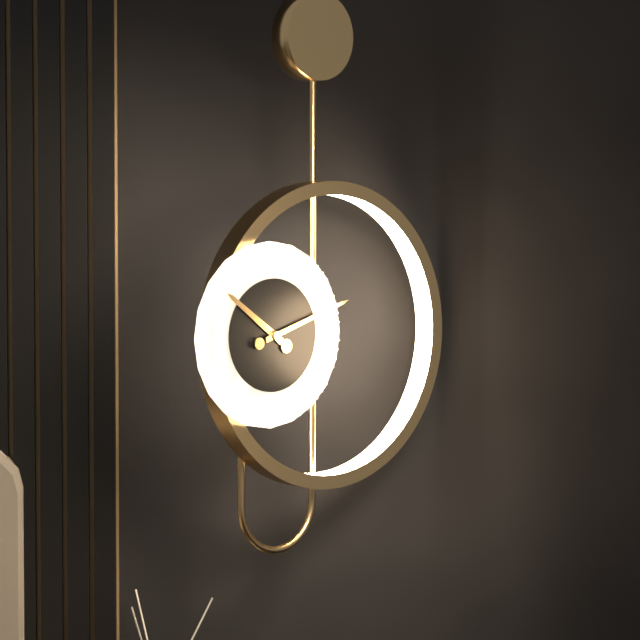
10:12
